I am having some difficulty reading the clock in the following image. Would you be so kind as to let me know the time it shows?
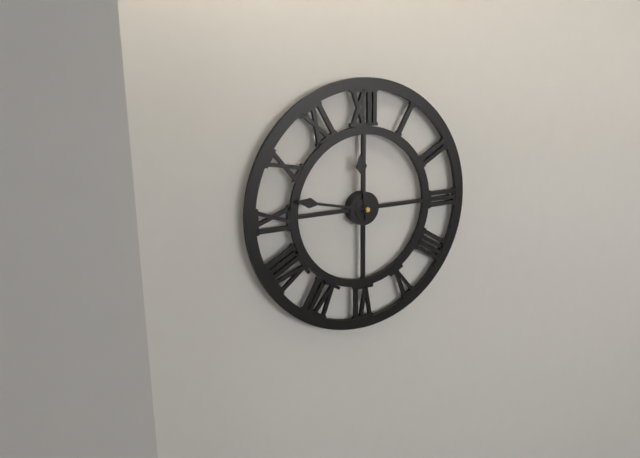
11:47
